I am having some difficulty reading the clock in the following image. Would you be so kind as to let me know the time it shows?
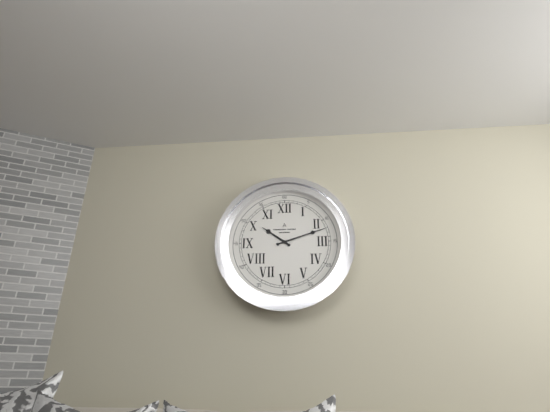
10:12
